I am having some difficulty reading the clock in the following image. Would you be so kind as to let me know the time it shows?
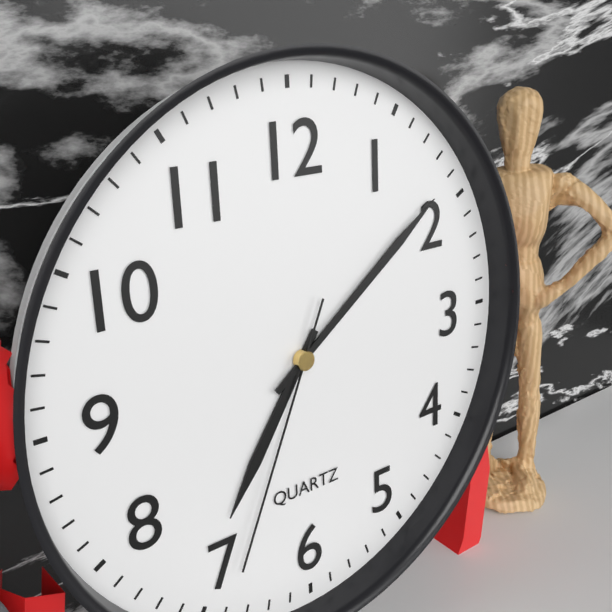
7:09:34
